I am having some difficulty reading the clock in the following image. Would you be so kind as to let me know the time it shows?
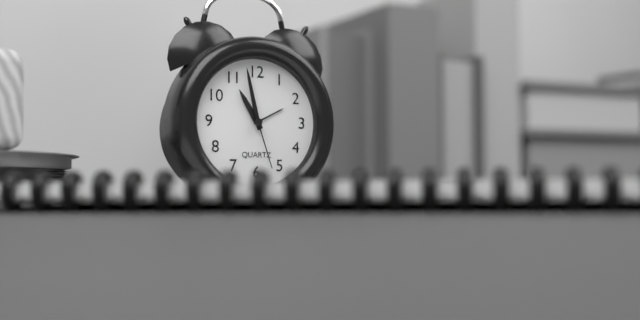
10:58:27
